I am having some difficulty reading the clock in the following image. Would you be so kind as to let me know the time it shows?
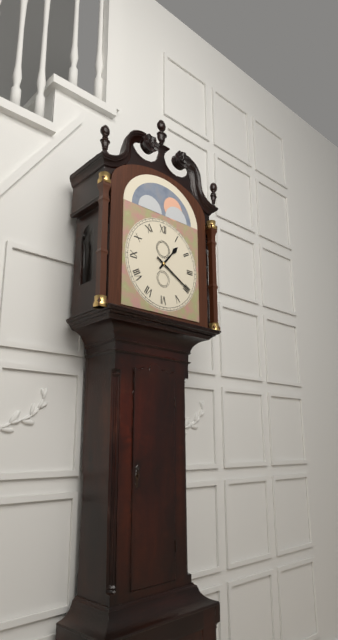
1:20
